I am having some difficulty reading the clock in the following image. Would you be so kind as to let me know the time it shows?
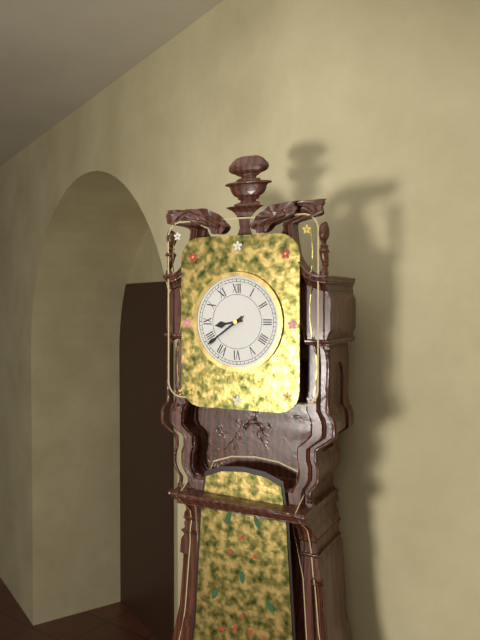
8:39
